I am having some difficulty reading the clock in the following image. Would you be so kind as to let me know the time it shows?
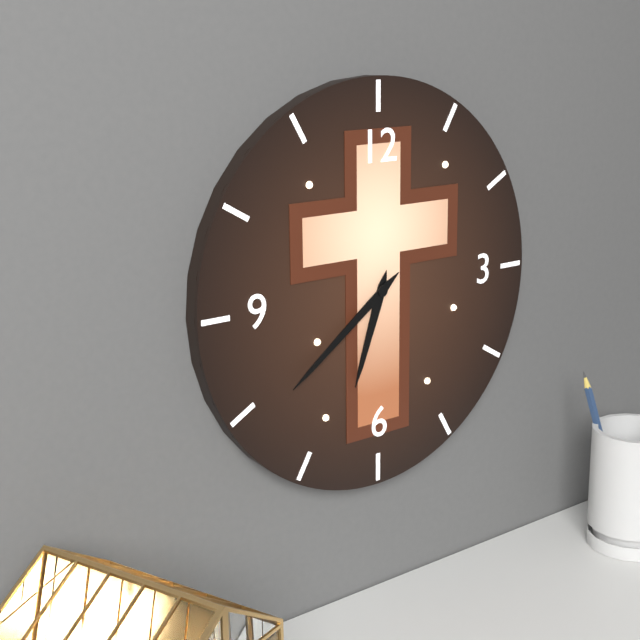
6:39
